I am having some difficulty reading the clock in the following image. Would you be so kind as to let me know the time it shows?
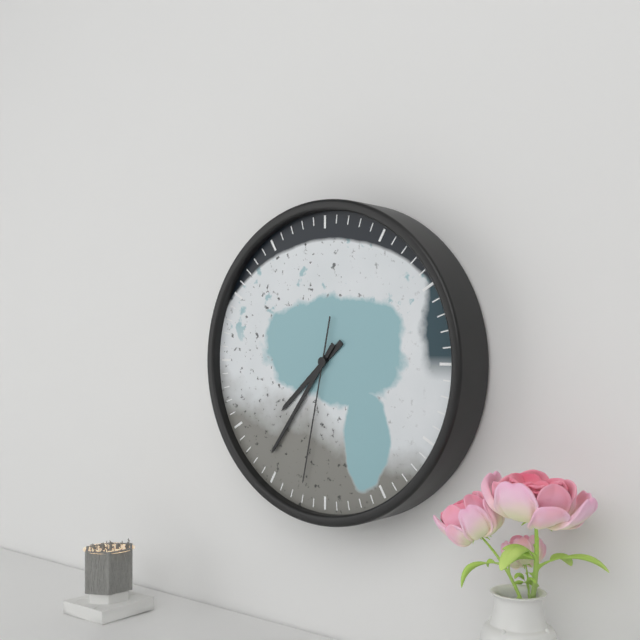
7:36:32
